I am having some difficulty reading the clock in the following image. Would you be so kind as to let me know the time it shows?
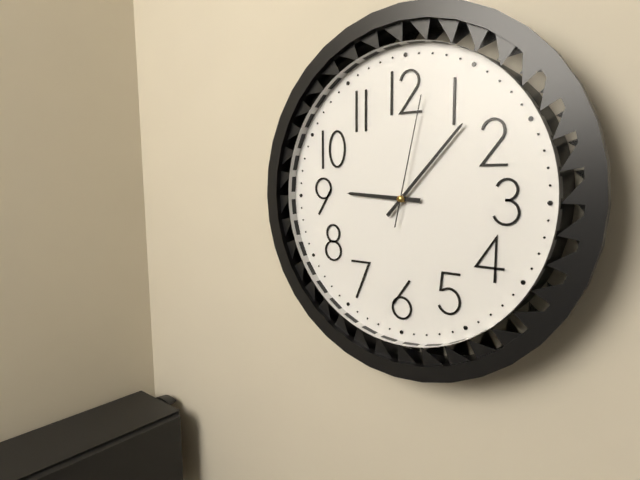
9:07:02
